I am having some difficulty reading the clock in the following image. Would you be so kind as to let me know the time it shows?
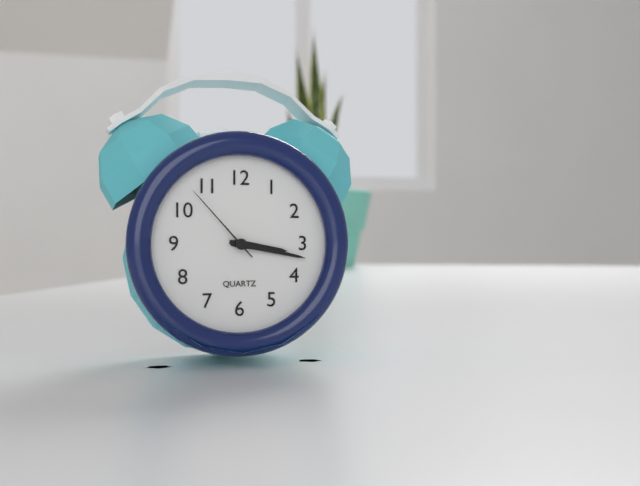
3:17:53
